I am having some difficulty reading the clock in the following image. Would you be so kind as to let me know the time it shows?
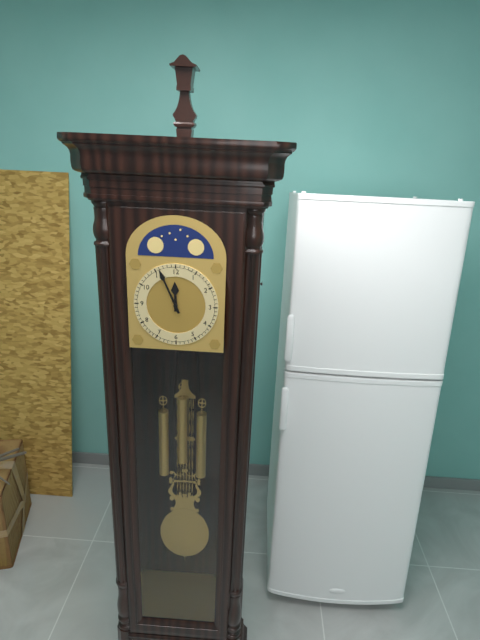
11:56
